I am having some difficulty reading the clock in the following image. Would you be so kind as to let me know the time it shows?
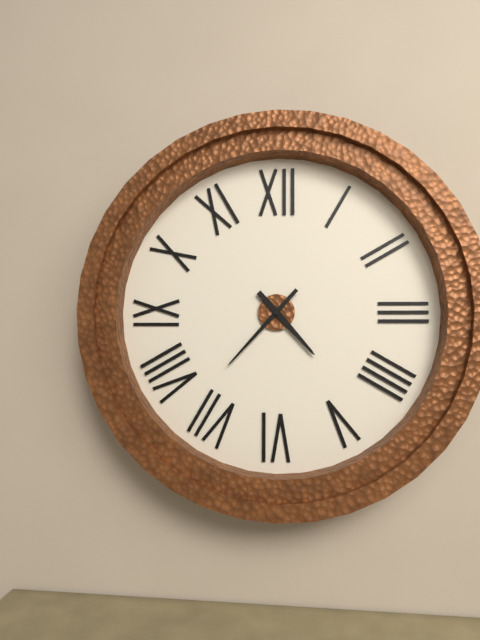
4:37
